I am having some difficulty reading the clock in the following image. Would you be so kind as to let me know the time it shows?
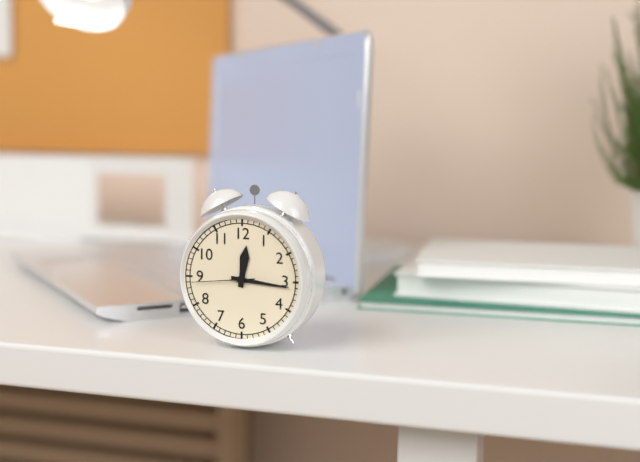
12:16:44
